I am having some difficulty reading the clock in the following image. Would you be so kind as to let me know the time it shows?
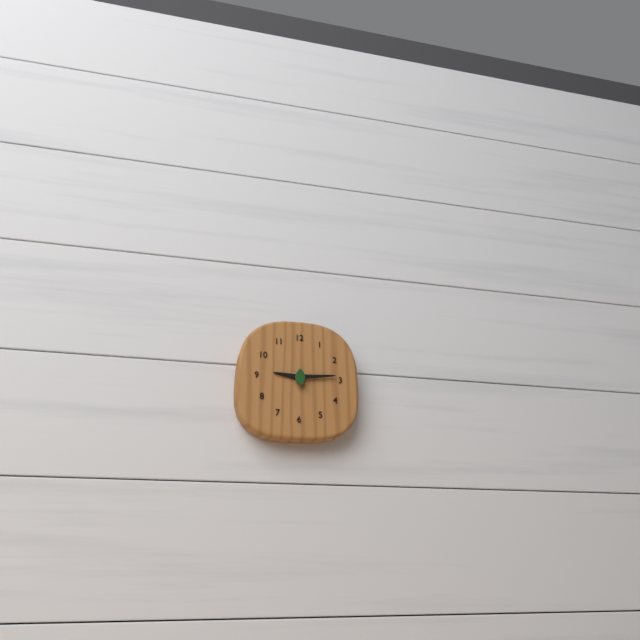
9:14
